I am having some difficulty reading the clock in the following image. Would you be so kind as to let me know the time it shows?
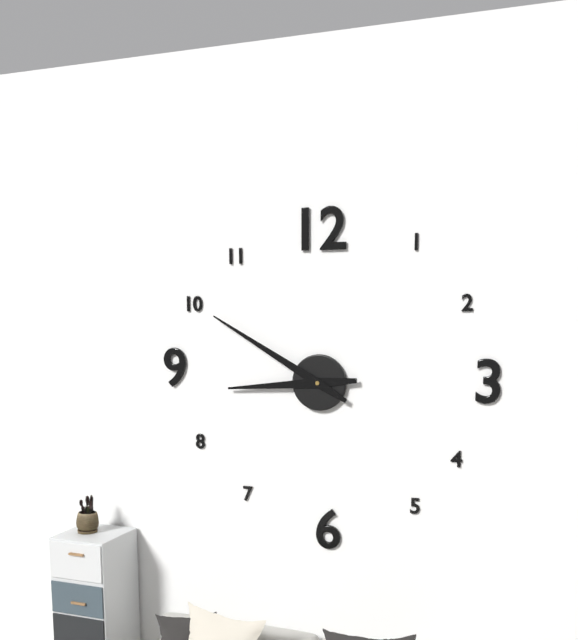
8:50
